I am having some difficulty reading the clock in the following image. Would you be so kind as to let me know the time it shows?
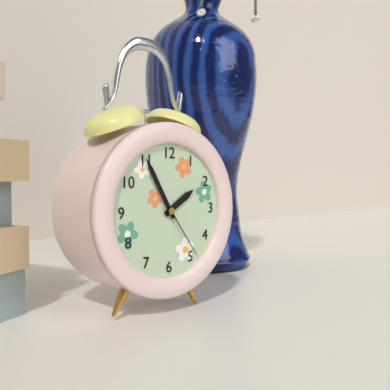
1:55:24
